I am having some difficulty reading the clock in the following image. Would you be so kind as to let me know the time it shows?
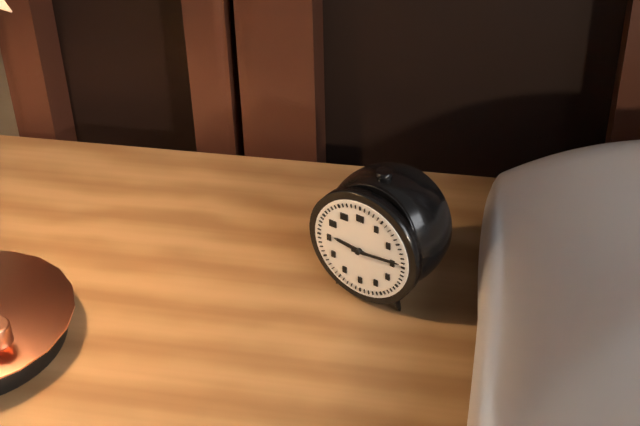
9:14
